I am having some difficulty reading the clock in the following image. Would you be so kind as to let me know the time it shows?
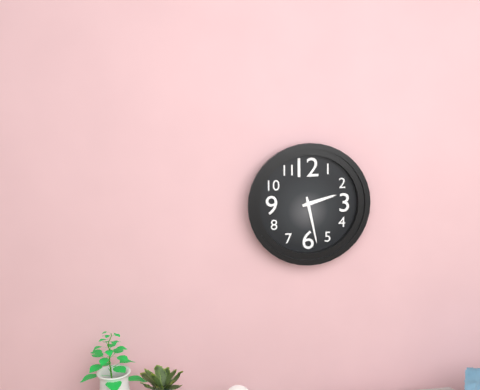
2:28
